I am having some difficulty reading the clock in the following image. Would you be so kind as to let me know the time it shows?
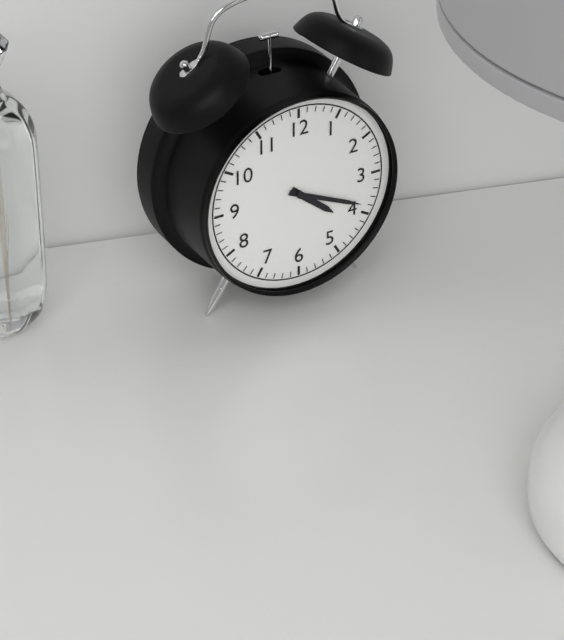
4:19
